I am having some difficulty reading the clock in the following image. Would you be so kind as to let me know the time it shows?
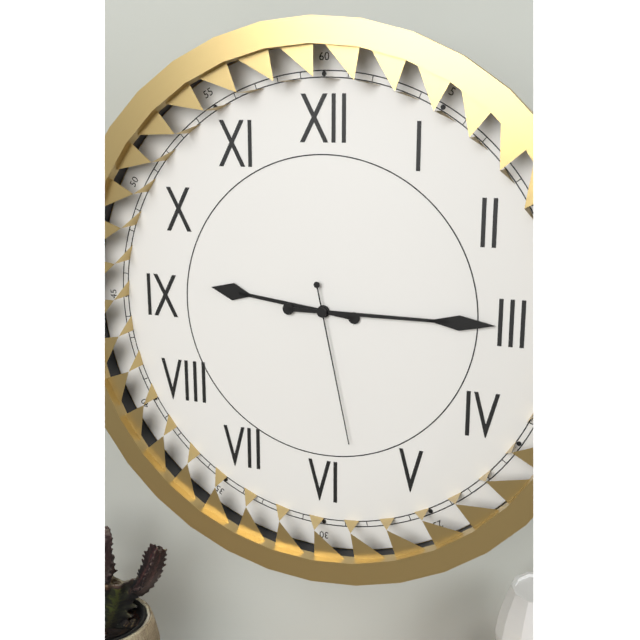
9:15:28
